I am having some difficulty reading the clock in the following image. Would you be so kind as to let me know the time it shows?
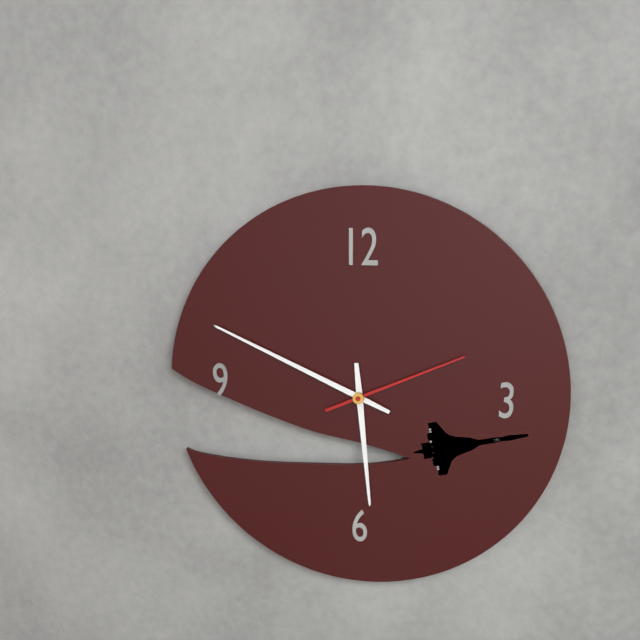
5:49:11
